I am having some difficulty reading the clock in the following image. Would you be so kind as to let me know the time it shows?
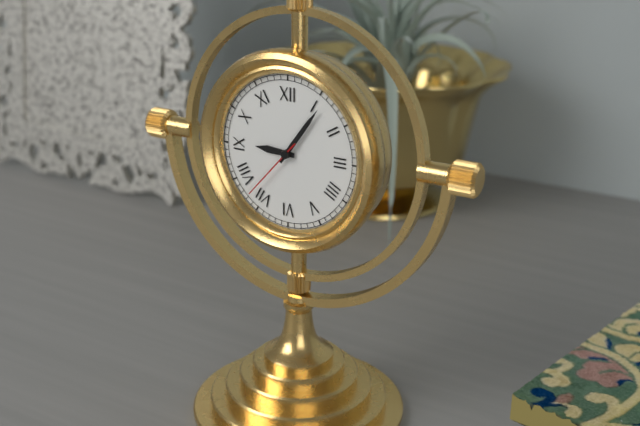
9:06:37
